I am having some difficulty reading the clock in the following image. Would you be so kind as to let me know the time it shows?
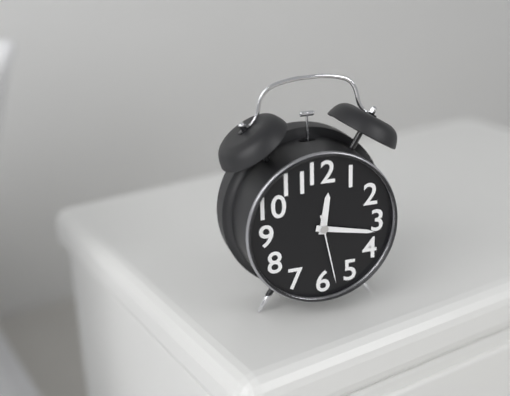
12:17:28
